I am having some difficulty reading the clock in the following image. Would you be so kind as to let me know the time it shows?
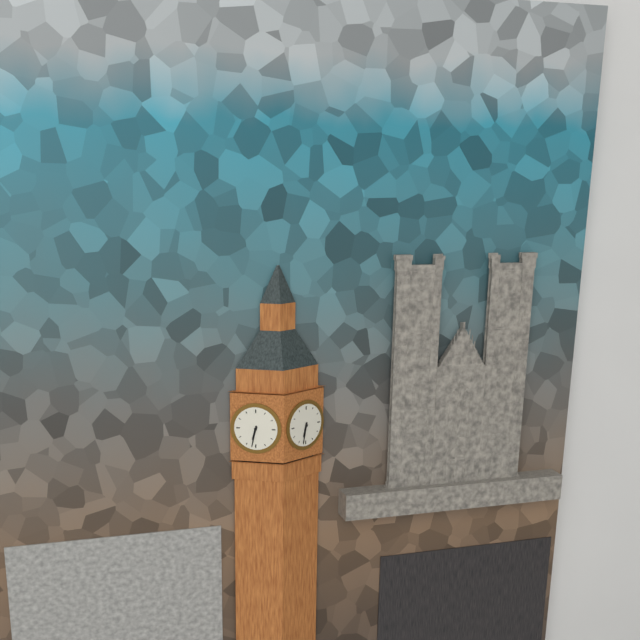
6:32
